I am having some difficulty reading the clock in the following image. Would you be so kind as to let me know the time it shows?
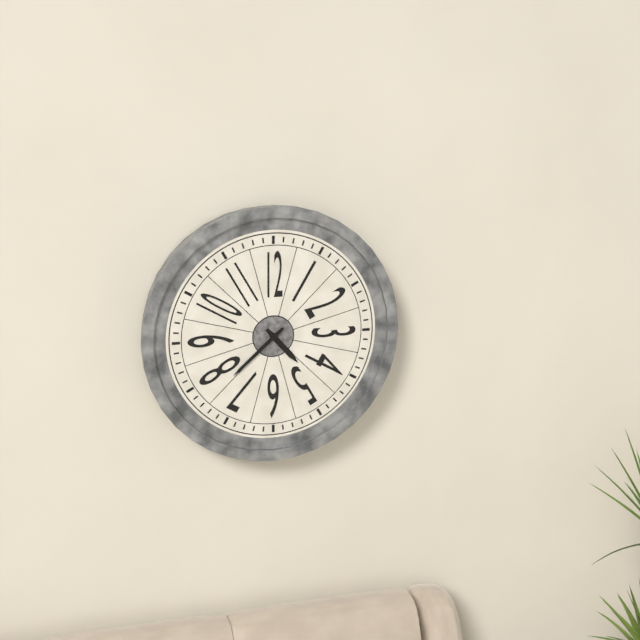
4:38
